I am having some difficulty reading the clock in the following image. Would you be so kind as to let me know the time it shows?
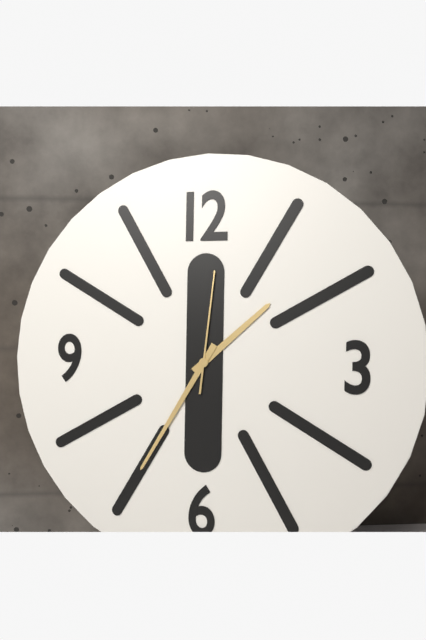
1:35:01
